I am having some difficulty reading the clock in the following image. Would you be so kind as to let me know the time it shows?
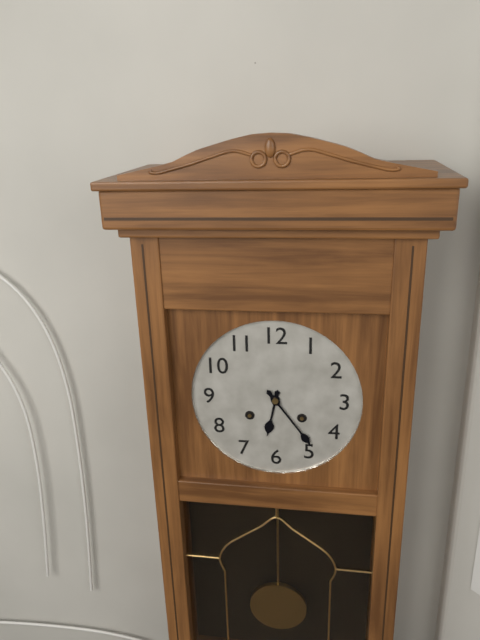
6:24
